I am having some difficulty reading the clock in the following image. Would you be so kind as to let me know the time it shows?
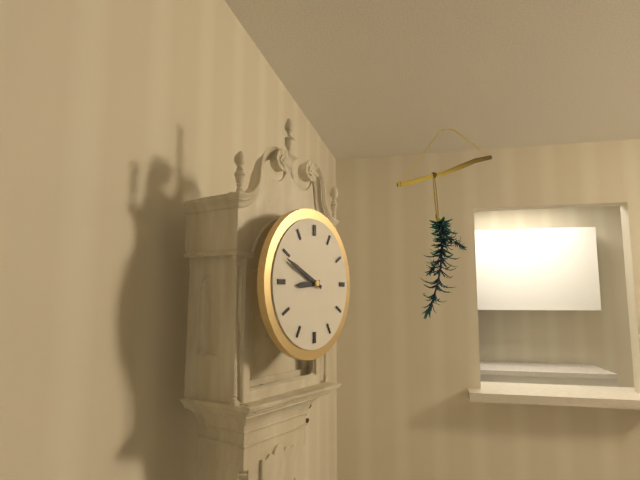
8:49
